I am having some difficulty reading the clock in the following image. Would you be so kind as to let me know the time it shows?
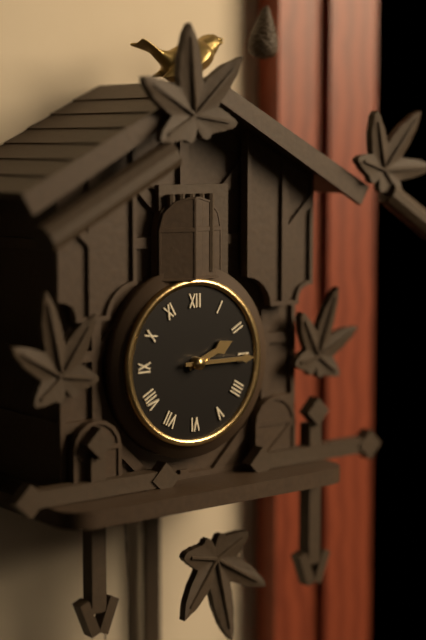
2:15
